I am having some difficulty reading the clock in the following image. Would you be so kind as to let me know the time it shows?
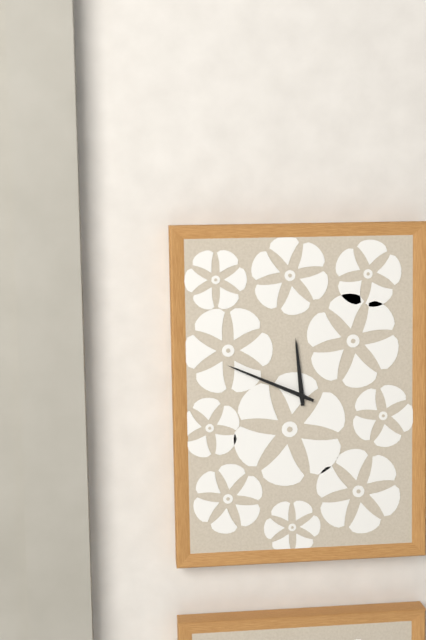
11:49
